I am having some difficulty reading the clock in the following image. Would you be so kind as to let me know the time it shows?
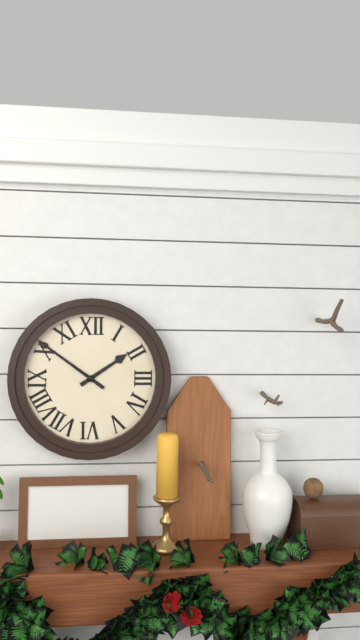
1:51
